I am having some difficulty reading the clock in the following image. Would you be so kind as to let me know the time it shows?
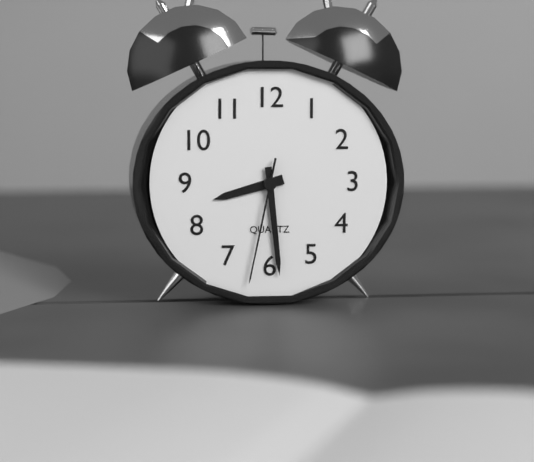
8:29:32
